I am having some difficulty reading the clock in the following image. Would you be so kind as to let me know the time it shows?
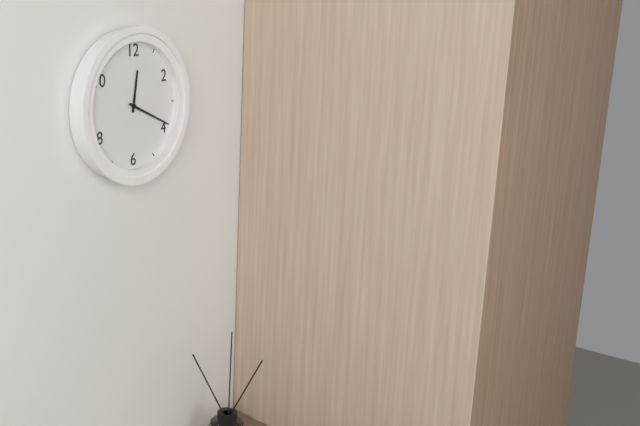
12:19
